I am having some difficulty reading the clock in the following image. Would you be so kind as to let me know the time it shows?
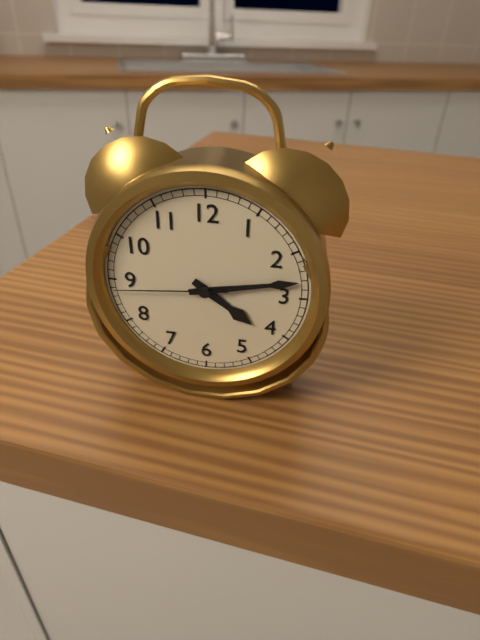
4:13:44
